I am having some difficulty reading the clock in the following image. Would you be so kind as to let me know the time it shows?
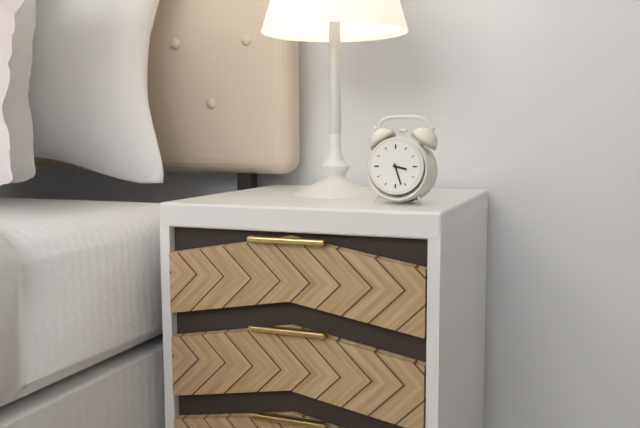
3:27
